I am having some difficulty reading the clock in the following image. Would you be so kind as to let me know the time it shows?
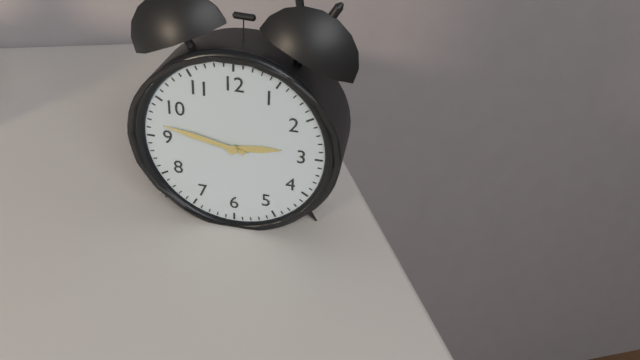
2:47
